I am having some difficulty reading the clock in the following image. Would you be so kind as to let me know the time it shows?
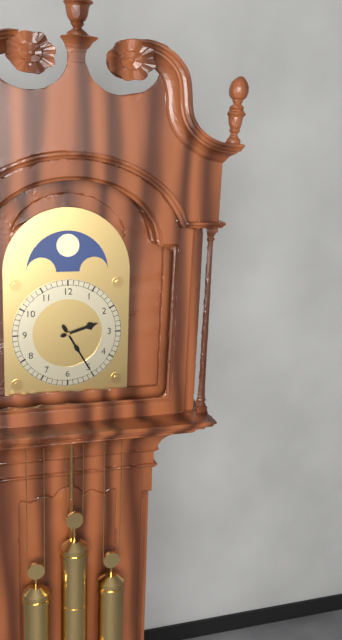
2:25
